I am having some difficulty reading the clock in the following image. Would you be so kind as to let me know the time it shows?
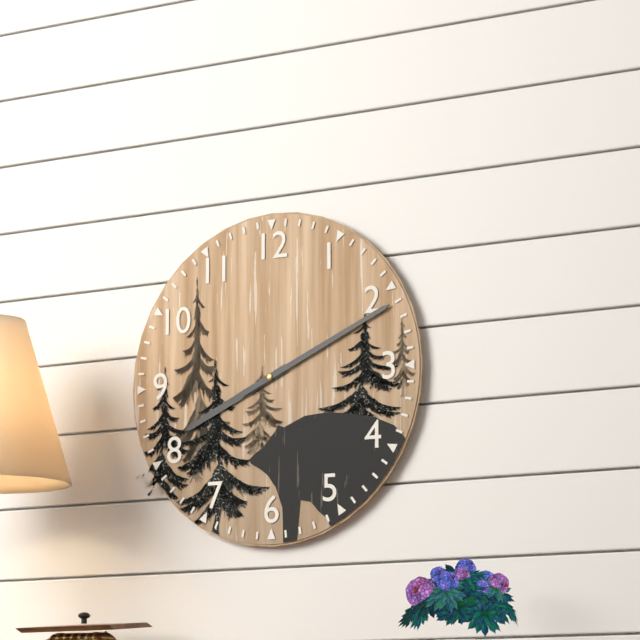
8:11
